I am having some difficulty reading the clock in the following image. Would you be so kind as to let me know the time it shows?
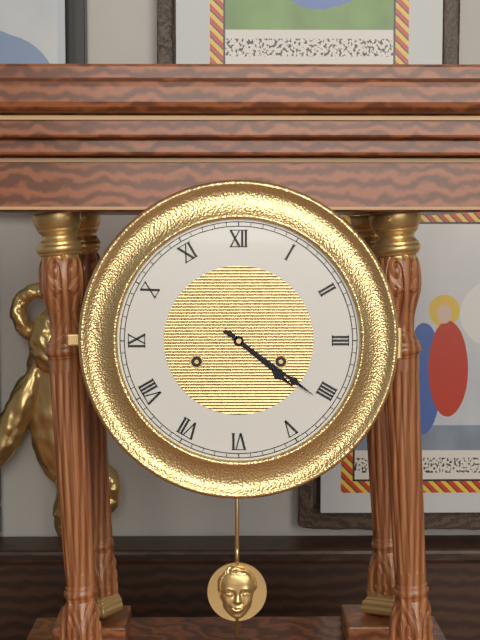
4:21
